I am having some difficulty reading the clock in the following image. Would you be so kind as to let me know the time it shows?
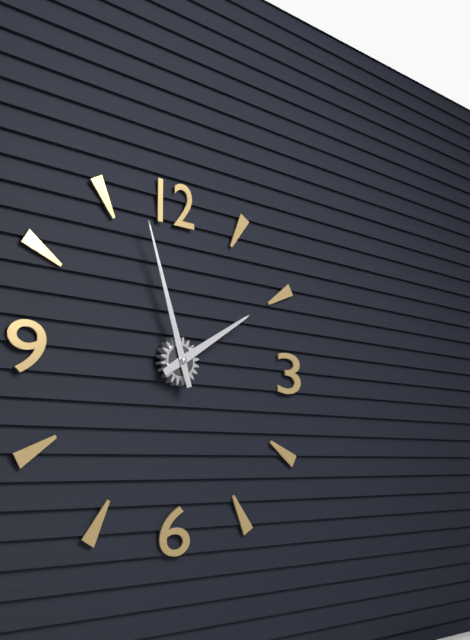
1:57
